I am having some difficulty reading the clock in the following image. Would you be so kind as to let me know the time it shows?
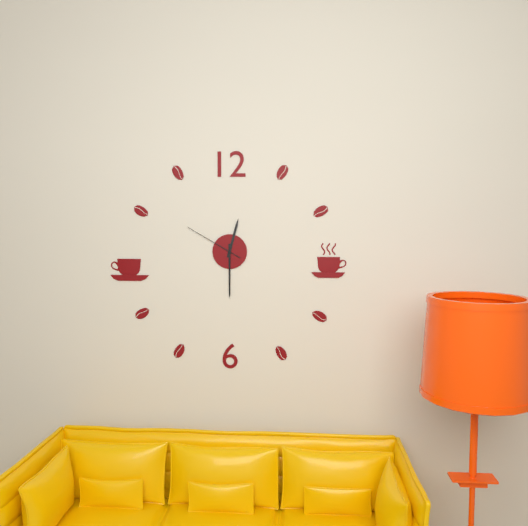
12:30:50
